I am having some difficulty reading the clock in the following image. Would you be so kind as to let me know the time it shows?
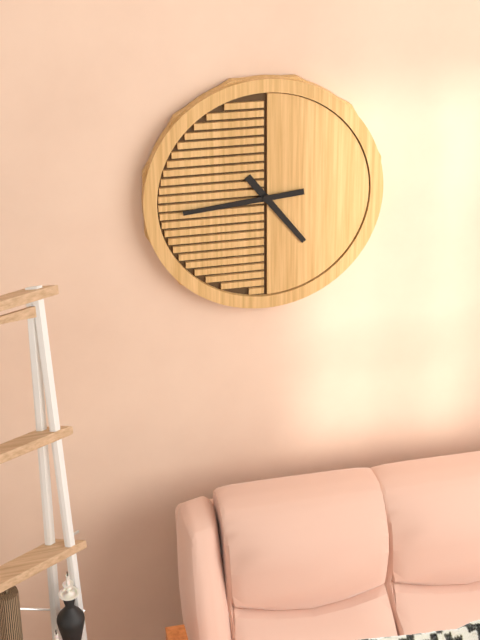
4:44
